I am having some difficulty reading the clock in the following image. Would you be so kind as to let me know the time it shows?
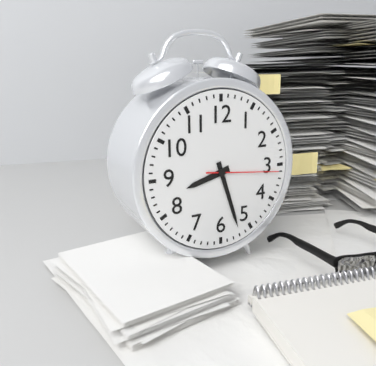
8:27:16
